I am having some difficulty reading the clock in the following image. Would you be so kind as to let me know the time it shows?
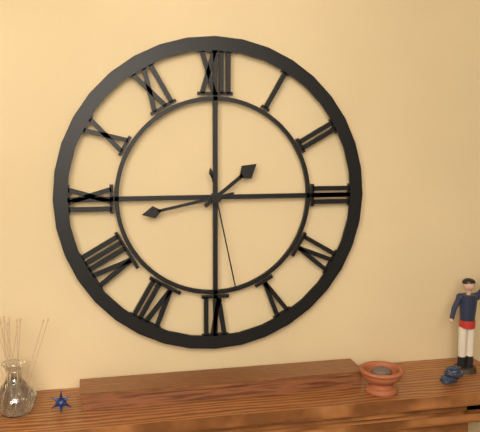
1:43:28
